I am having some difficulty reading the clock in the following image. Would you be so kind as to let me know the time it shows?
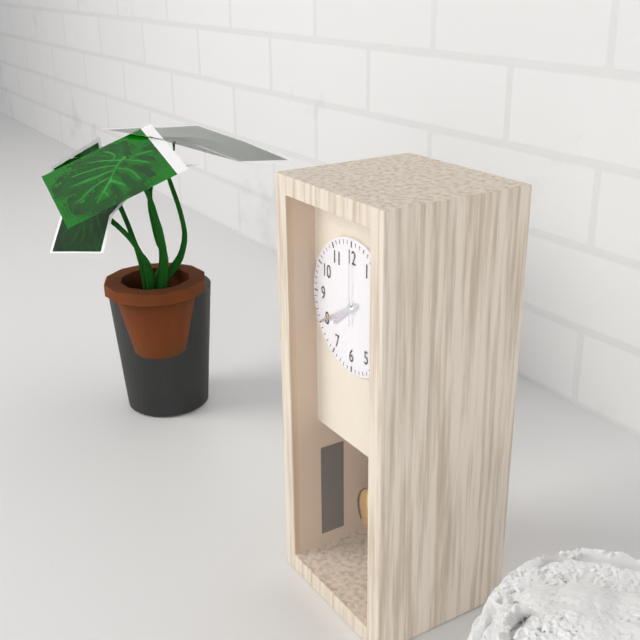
7:40:00
